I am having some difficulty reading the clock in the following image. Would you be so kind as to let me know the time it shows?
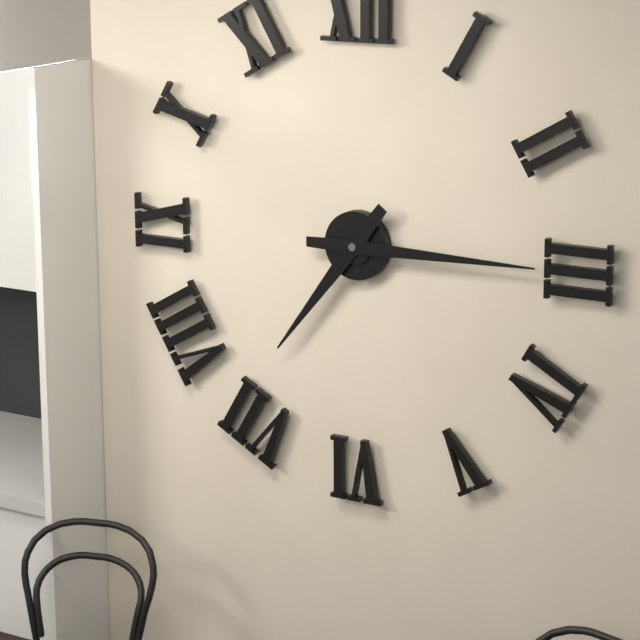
7:15
